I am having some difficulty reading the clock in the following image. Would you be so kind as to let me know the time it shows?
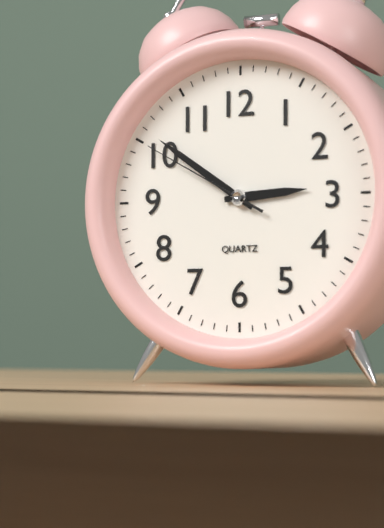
2:51:50
